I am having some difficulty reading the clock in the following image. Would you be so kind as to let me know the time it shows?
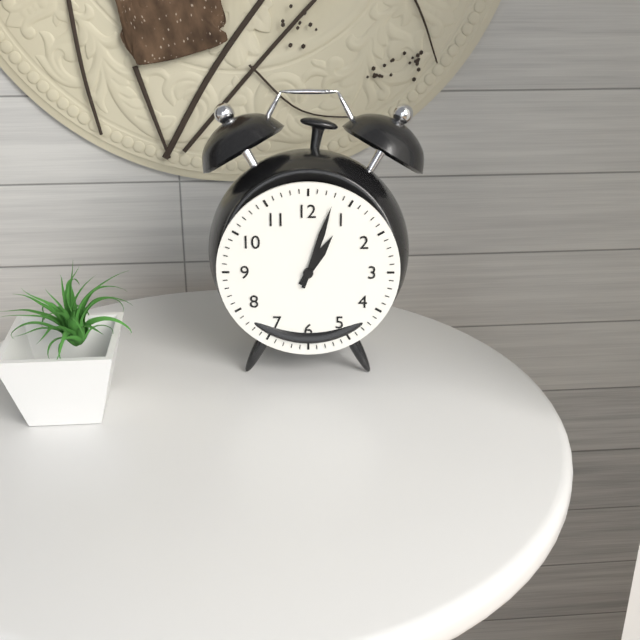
1:03
